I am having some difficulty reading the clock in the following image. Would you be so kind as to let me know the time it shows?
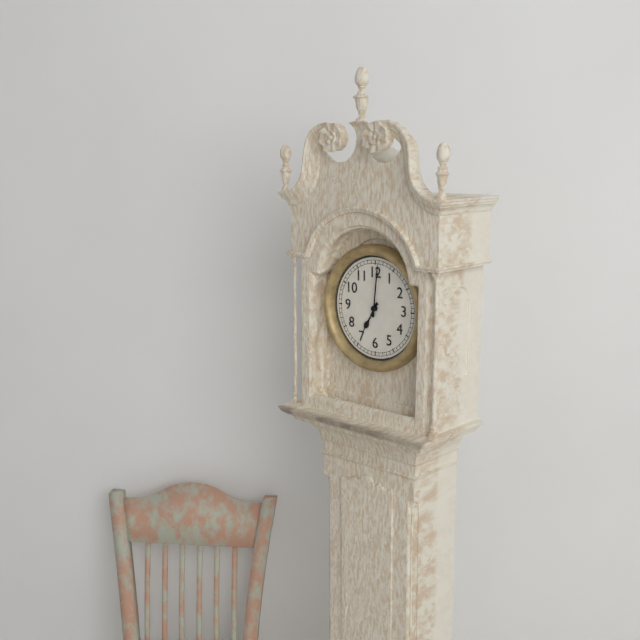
7:01
